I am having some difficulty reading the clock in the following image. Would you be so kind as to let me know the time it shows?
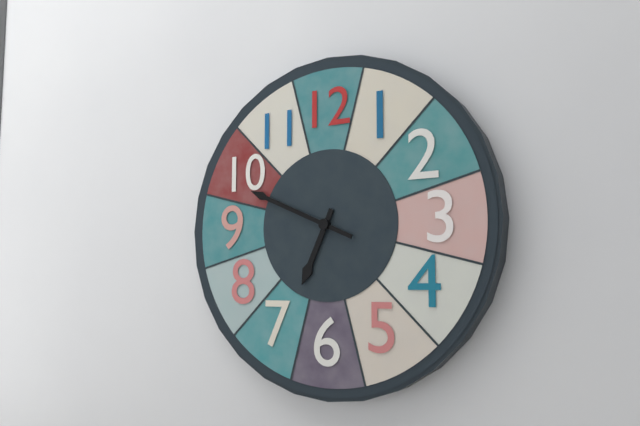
6:49
